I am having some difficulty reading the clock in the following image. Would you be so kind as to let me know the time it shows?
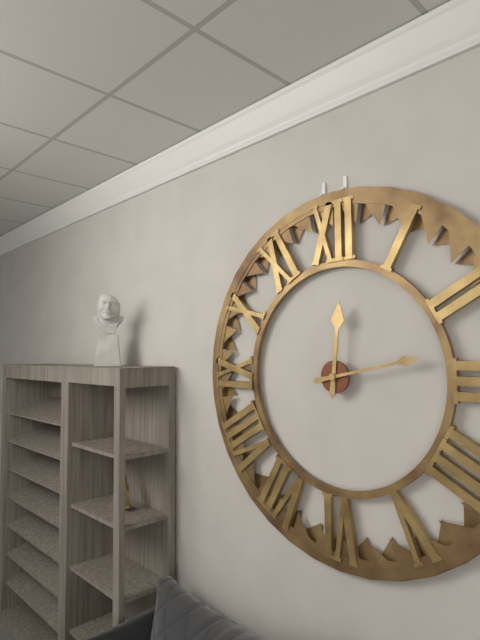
12:13
